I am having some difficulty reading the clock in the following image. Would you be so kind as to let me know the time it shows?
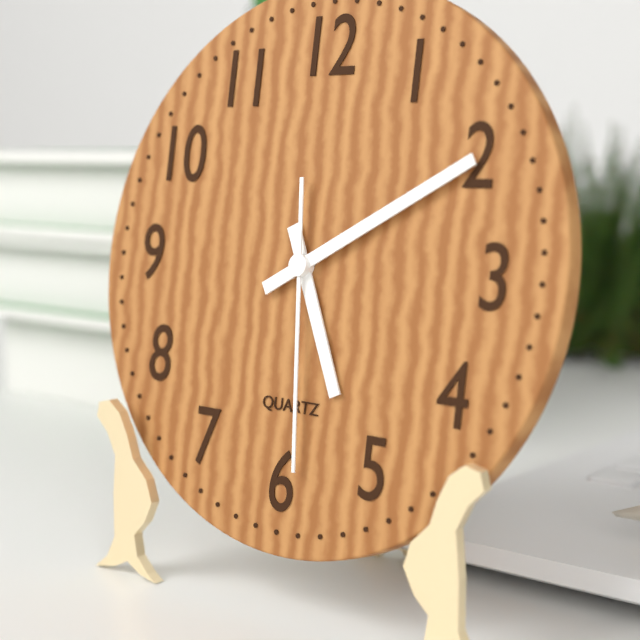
5:10:29
